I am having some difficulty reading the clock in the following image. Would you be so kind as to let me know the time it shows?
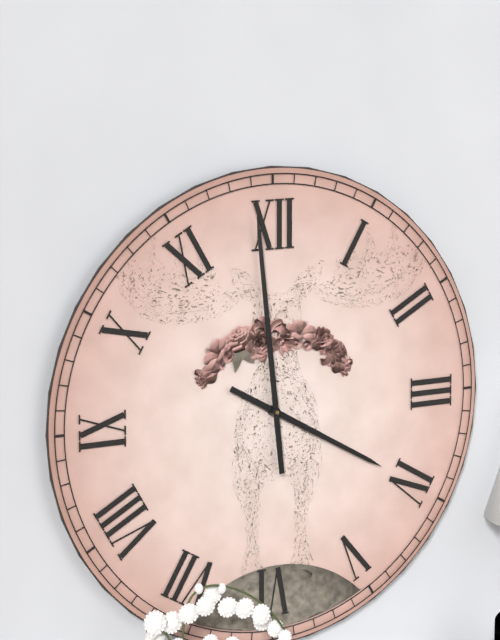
3:59
